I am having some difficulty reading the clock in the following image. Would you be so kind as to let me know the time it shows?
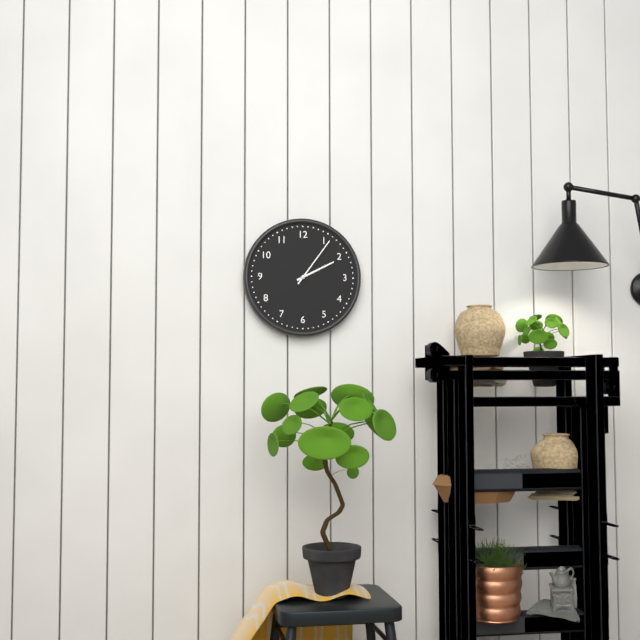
2:06
